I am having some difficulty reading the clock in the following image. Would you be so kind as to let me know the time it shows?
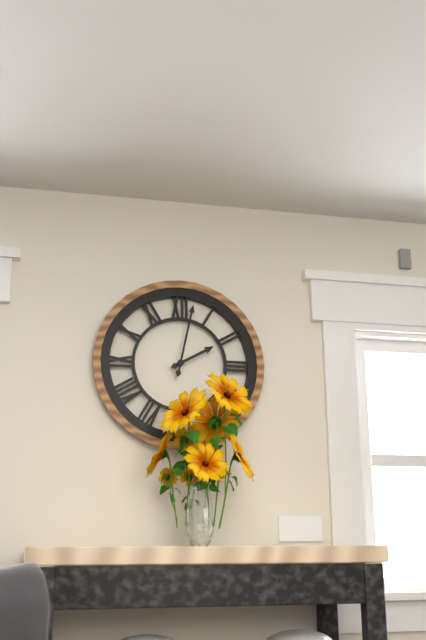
2:02
